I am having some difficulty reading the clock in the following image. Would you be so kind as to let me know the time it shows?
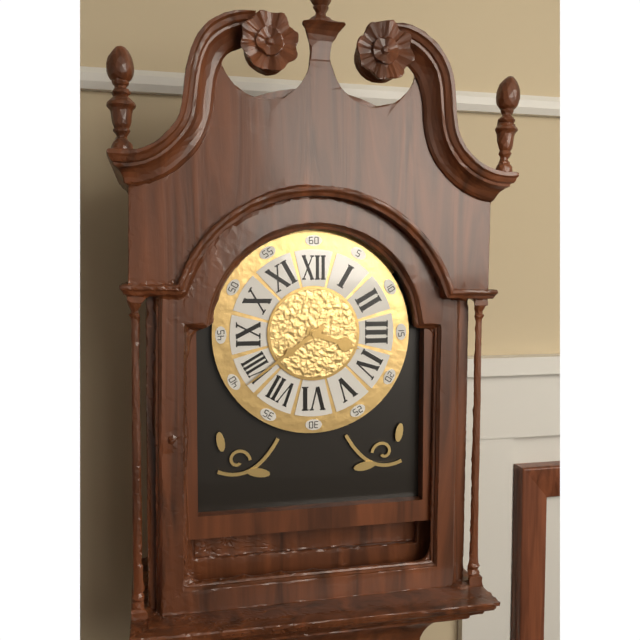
3:39
